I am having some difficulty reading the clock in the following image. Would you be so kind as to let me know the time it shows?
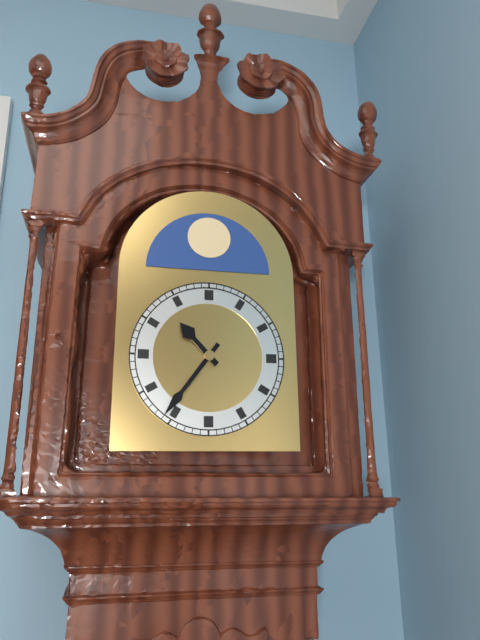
10:36
